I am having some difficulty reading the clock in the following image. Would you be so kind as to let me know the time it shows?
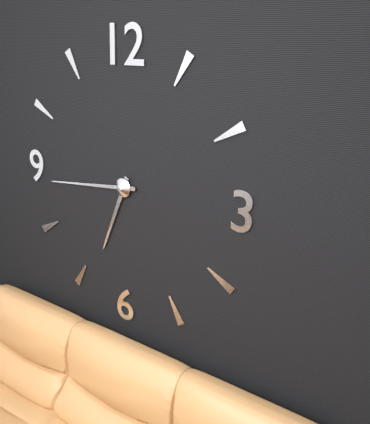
6:44
